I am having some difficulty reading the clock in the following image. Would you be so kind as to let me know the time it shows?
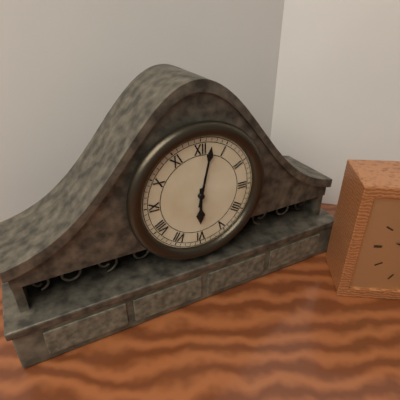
6:02
